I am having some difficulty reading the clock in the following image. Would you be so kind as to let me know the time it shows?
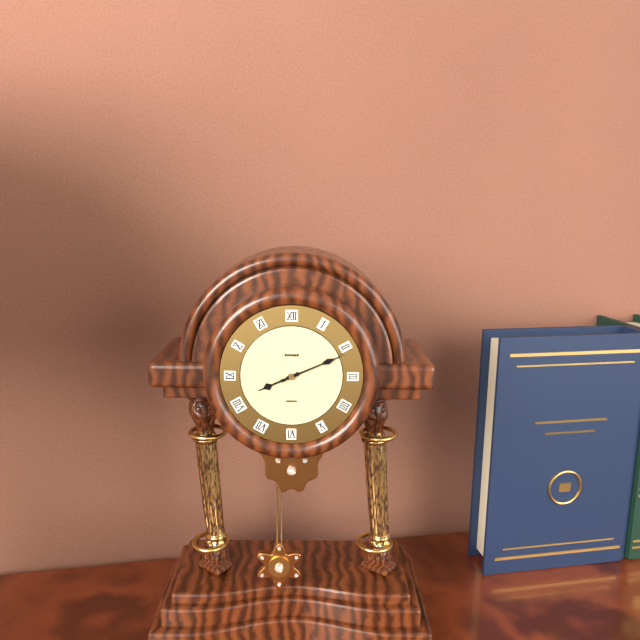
8:11
